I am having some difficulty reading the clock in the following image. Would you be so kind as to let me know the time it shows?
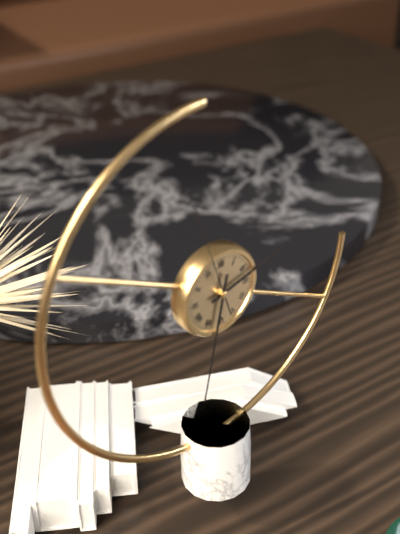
2:32:57
